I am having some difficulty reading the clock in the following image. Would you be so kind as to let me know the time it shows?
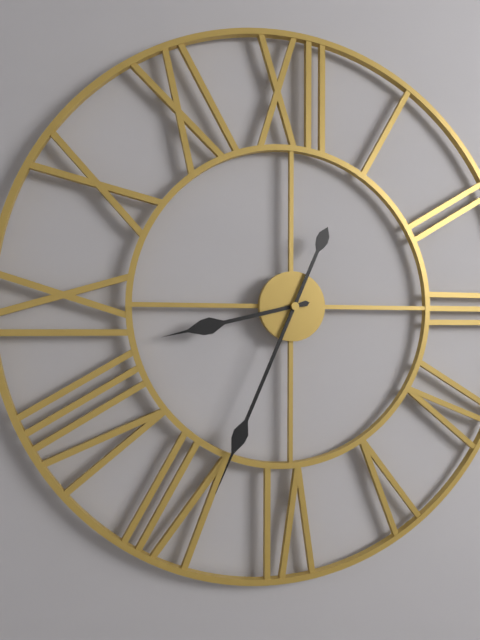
8:34
